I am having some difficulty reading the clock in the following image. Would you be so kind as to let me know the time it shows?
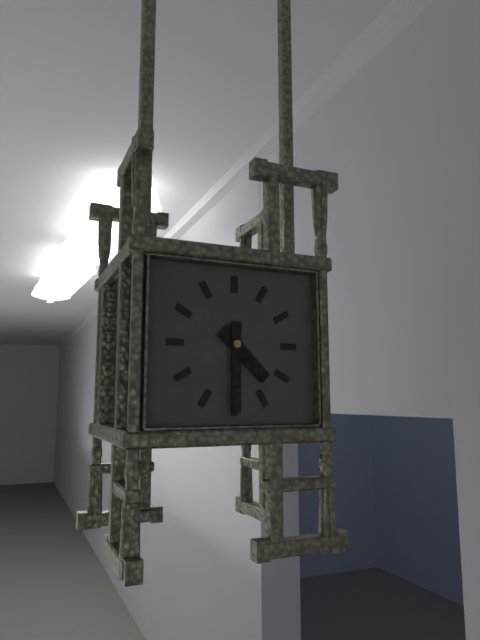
4:30
